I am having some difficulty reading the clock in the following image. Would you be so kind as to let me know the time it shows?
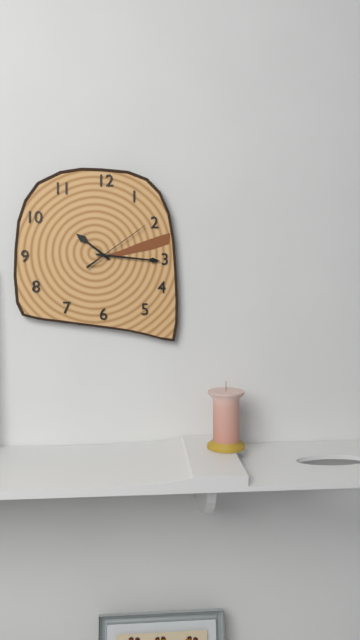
10:16:09
